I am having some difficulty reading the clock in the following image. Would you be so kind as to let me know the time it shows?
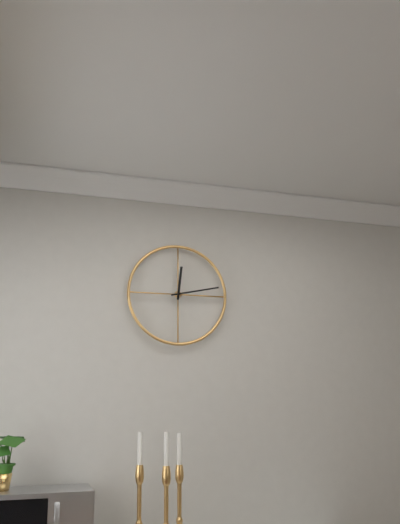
12:13
